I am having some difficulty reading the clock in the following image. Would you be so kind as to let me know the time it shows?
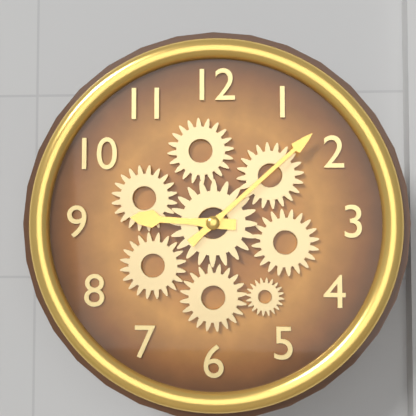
9:08
